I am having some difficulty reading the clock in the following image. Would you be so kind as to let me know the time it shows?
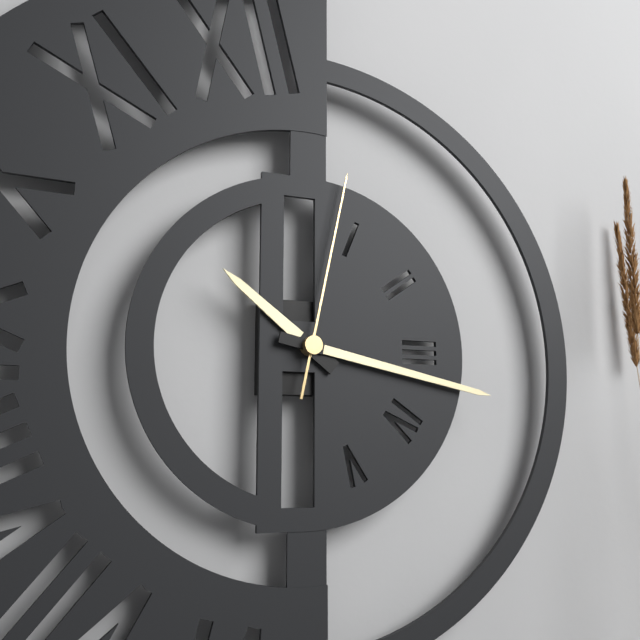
10:17:02
